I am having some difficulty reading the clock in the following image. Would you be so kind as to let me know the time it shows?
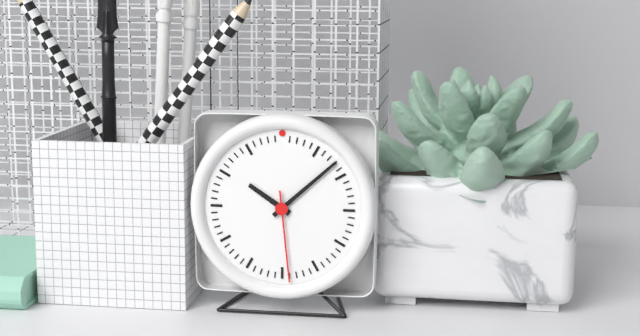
10:08:29
